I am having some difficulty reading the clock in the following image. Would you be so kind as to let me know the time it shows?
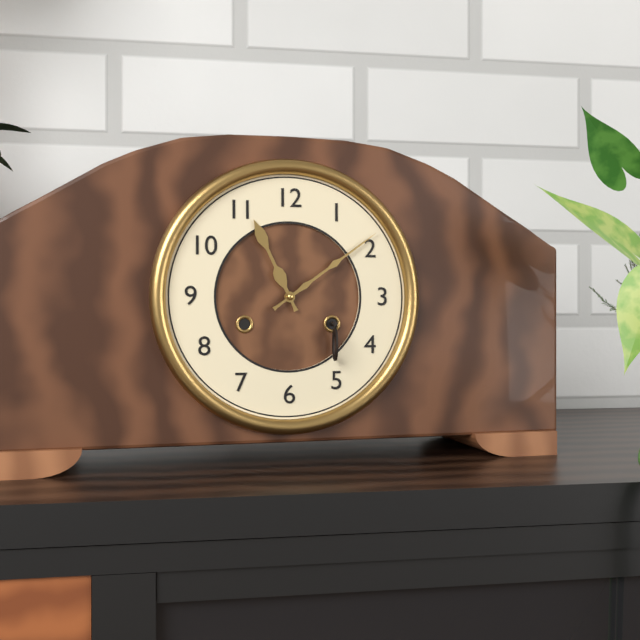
11:09
